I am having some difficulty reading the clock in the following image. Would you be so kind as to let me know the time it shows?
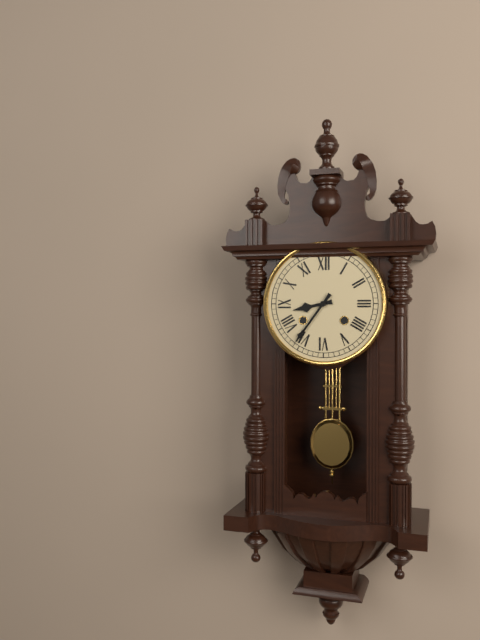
8:36
